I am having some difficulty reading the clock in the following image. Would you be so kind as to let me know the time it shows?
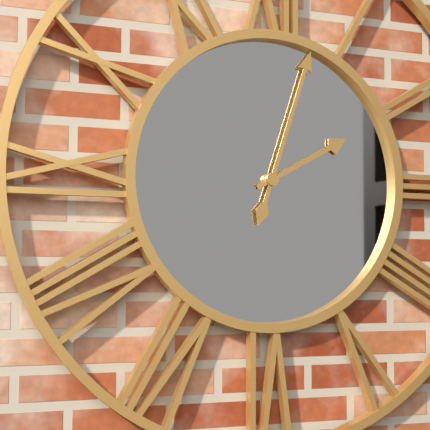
2:03
